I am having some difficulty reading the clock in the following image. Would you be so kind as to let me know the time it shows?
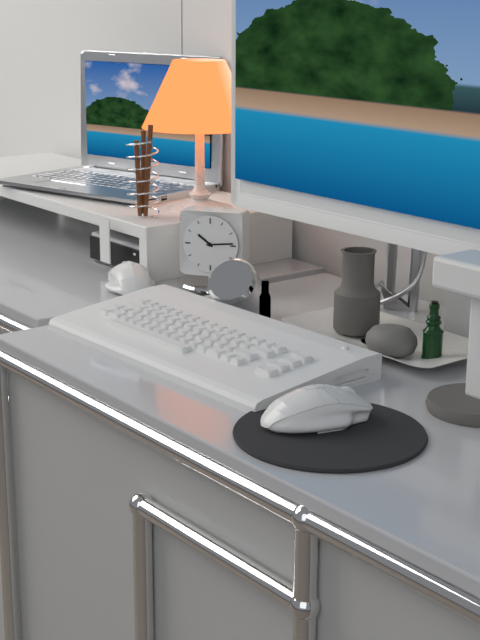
10:14
